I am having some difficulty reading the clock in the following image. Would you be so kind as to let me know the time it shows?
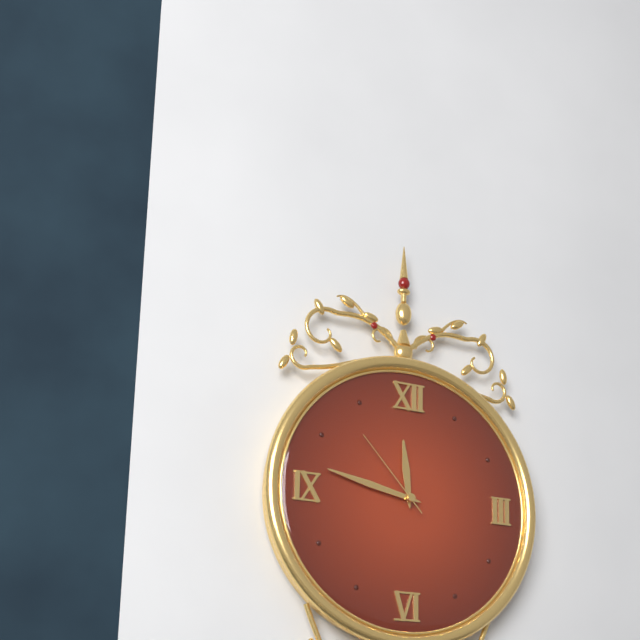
11:47:53
